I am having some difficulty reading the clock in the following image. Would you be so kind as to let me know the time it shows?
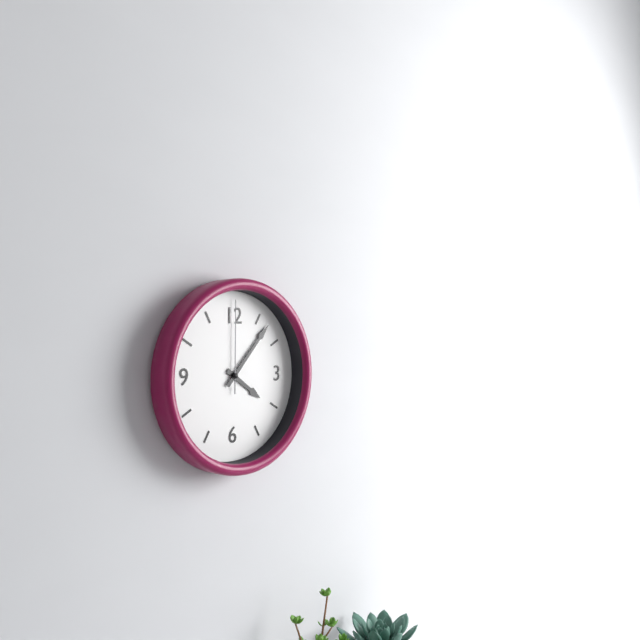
4:07:00
